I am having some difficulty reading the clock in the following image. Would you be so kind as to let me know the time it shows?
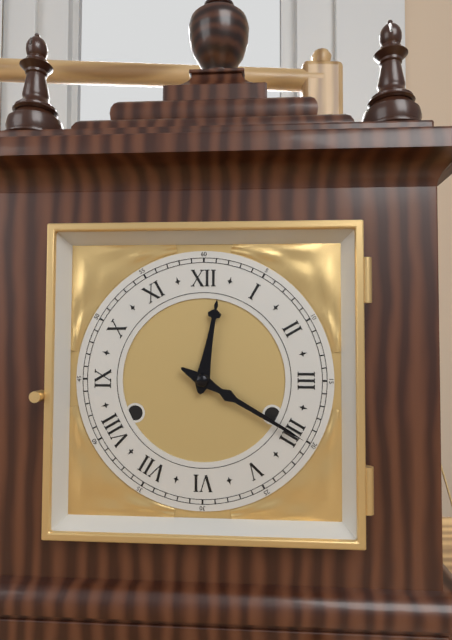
12:20
